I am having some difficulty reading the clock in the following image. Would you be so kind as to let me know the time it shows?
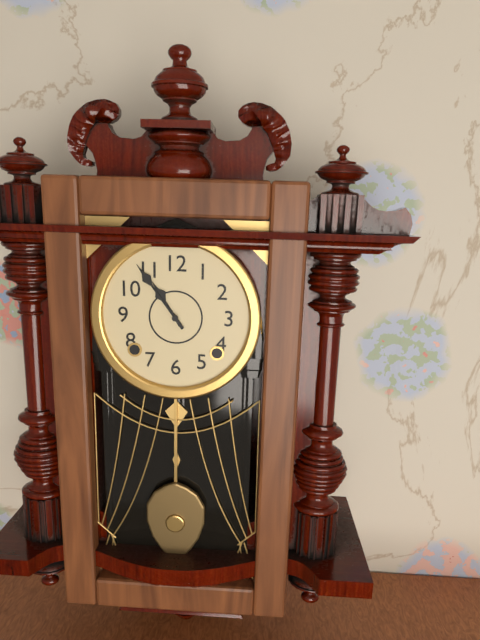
10:54
